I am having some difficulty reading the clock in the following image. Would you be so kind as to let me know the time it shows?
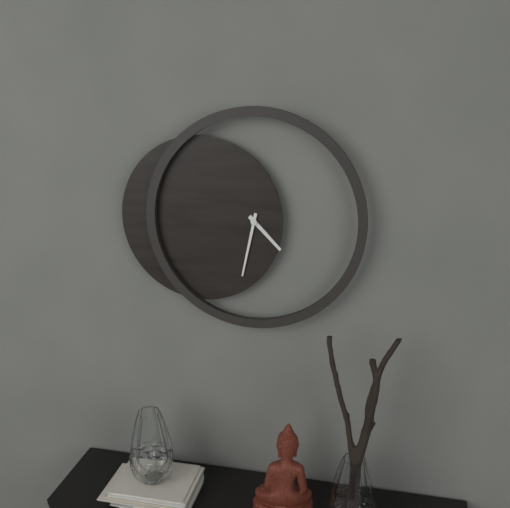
4:32
